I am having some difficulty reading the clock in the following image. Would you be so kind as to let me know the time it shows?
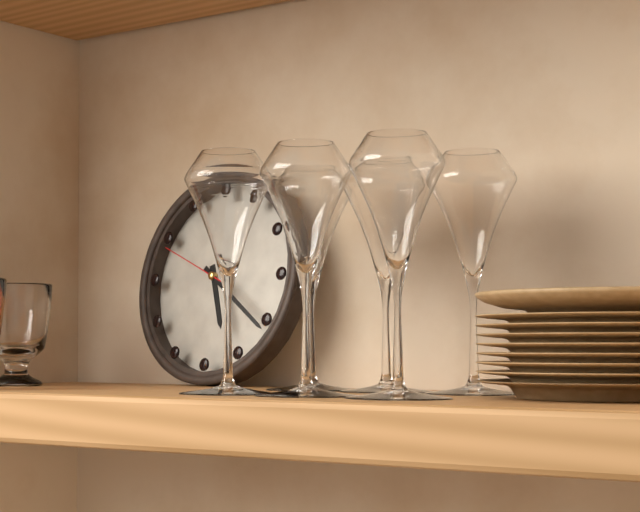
5:21:49
